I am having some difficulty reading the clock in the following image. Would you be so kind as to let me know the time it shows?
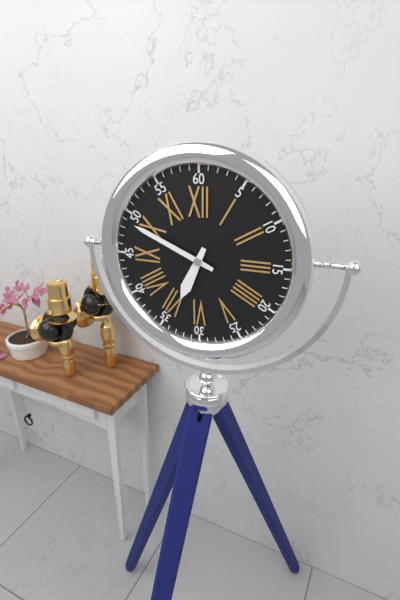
6:49
